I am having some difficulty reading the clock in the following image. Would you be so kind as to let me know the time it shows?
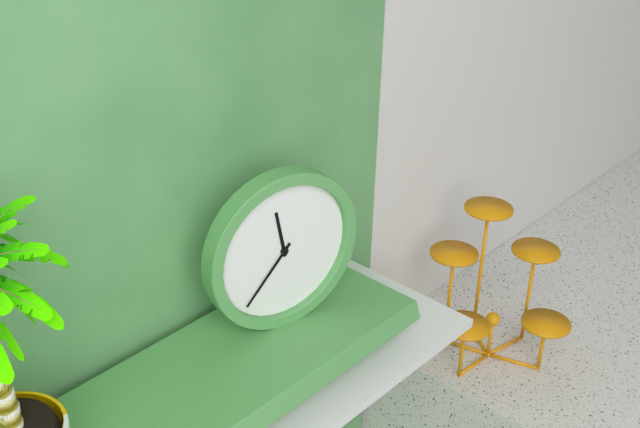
11:37
